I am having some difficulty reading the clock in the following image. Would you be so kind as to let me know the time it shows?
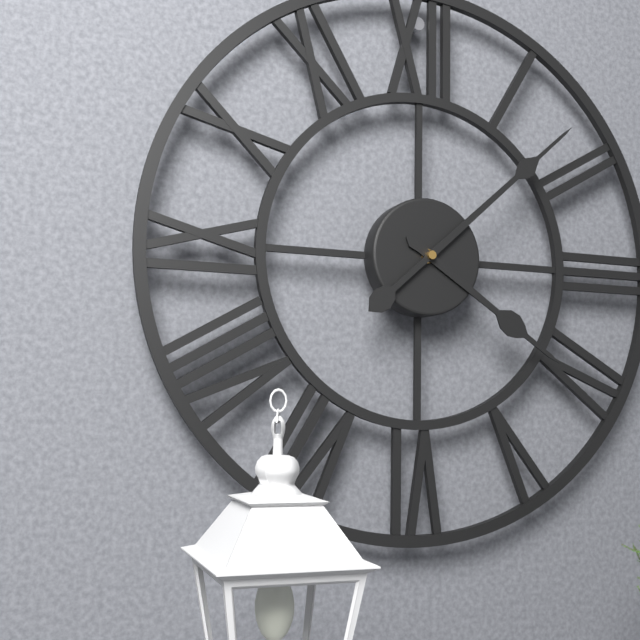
4:08
